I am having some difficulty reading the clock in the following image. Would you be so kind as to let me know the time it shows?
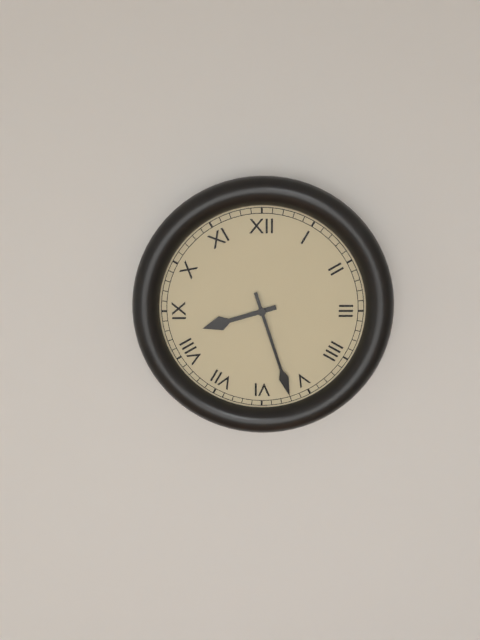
8:27
